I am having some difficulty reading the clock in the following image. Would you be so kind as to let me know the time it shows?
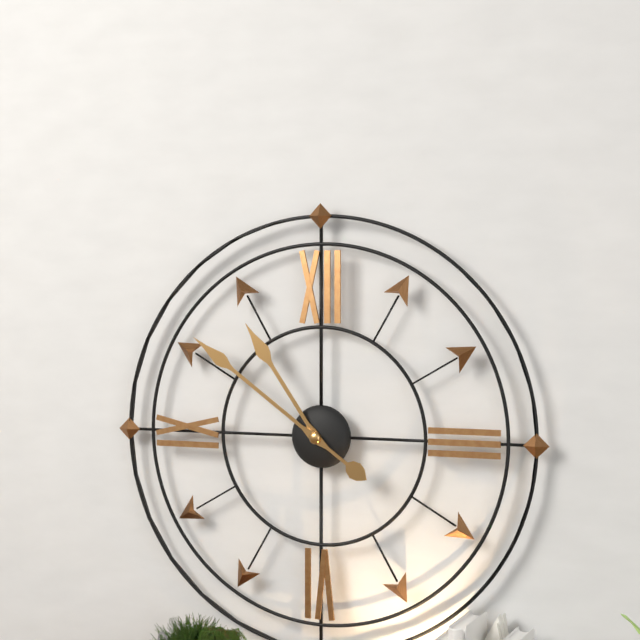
10:51
